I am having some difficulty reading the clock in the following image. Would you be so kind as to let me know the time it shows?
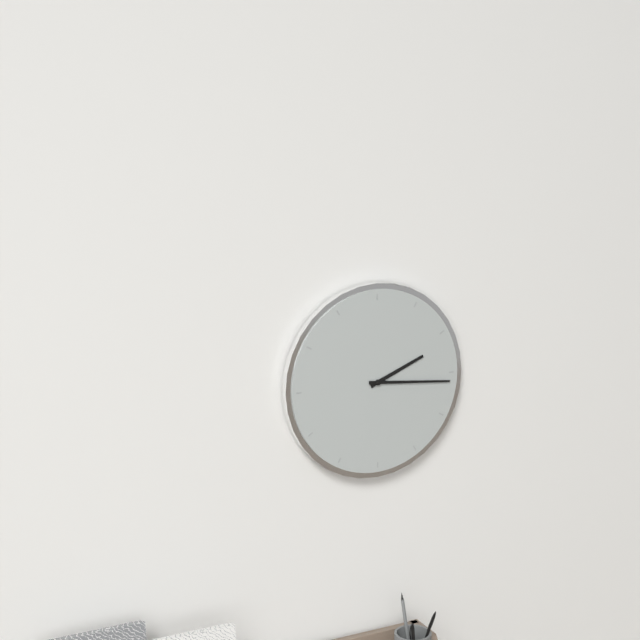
2:16
